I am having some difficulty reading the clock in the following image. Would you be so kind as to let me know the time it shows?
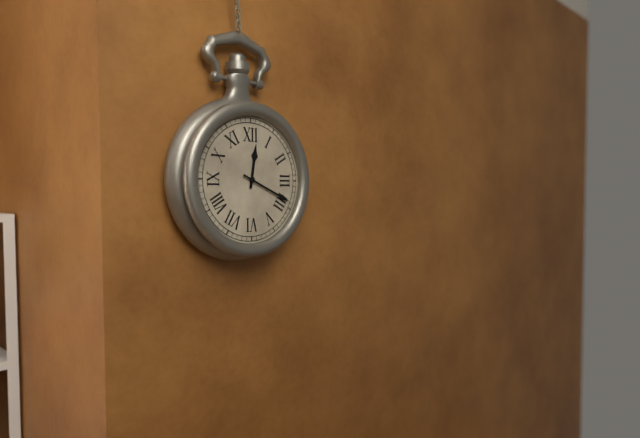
12:19
